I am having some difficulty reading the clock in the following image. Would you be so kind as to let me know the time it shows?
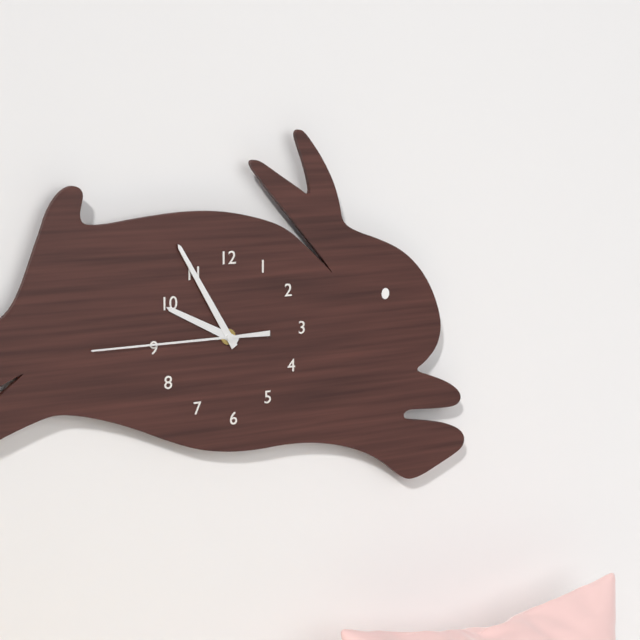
9:55:45
